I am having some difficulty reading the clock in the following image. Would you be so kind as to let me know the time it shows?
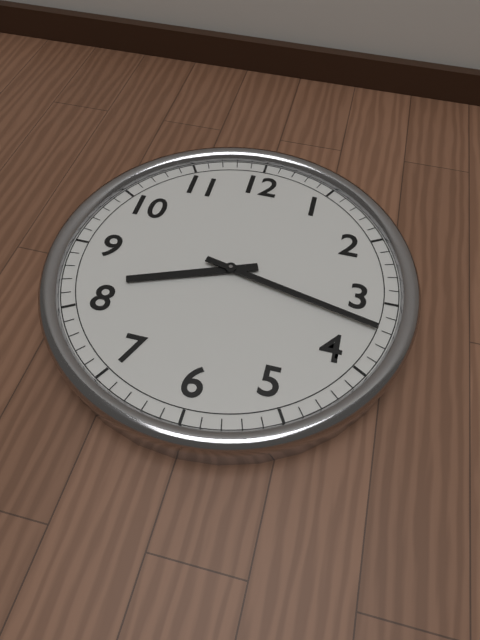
8:17
